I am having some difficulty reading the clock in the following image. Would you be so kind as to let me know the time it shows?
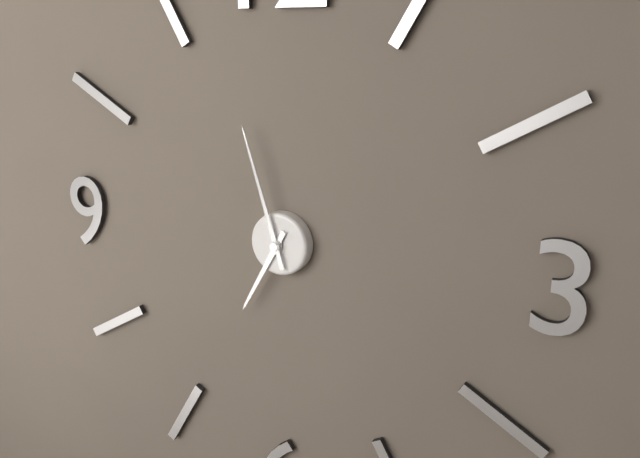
6:57
